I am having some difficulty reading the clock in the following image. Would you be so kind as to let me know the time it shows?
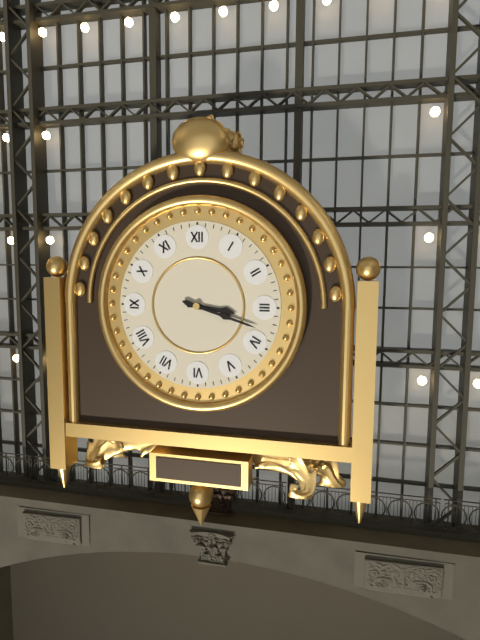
3:18
